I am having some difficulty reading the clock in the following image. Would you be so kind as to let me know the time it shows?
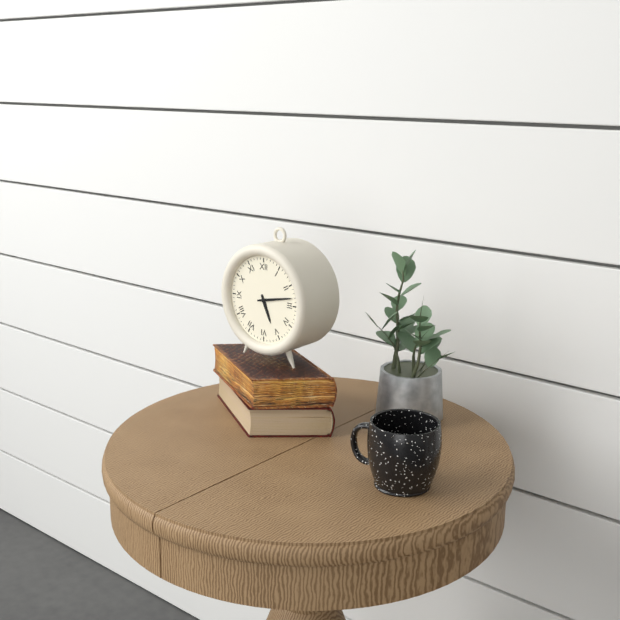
5:13
